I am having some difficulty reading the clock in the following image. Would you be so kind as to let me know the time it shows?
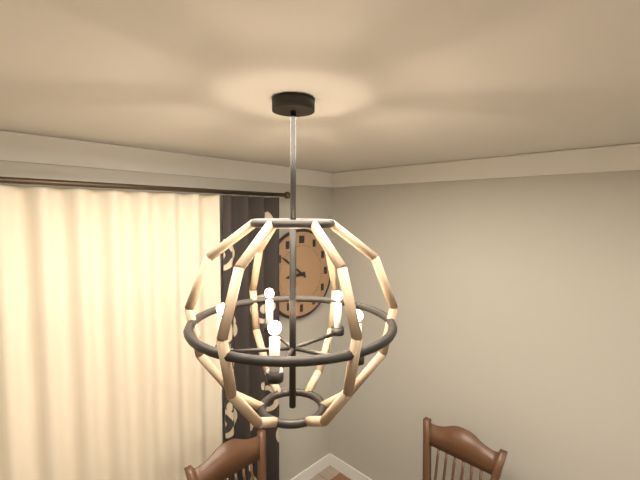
8:51
